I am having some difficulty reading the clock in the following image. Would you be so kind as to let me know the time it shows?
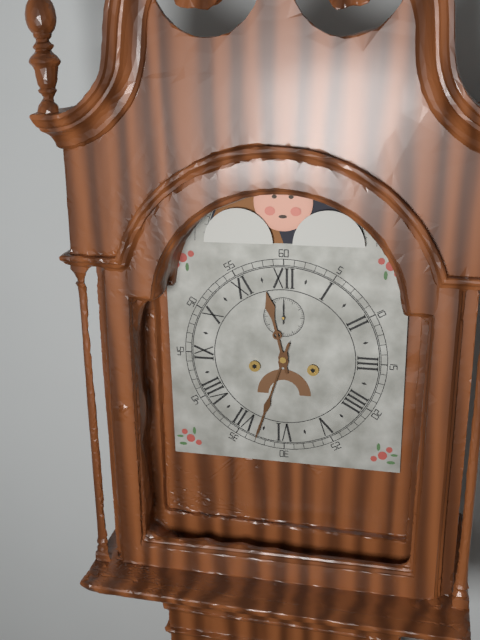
11:33
